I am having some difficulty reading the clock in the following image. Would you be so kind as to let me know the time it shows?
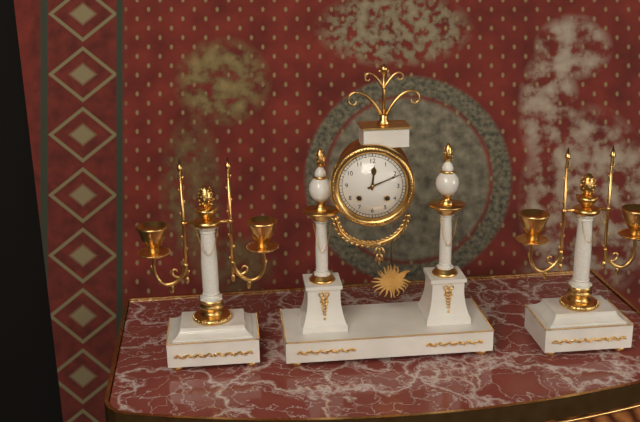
12:11
